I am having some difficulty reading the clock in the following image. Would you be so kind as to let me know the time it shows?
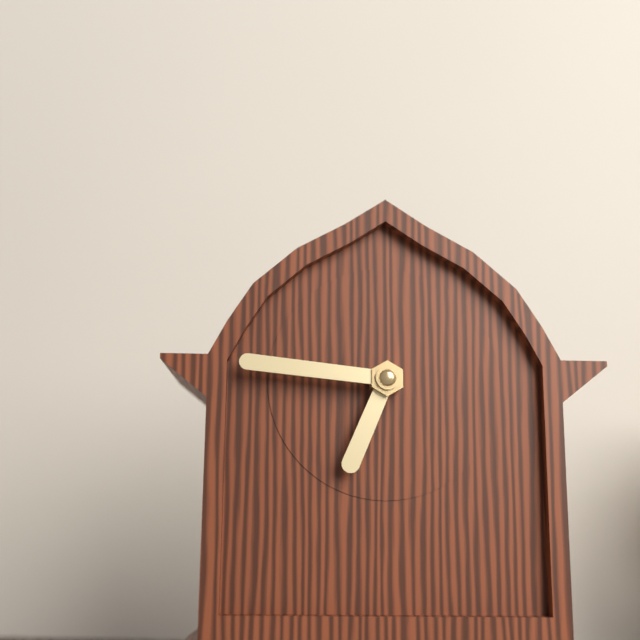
6:46
